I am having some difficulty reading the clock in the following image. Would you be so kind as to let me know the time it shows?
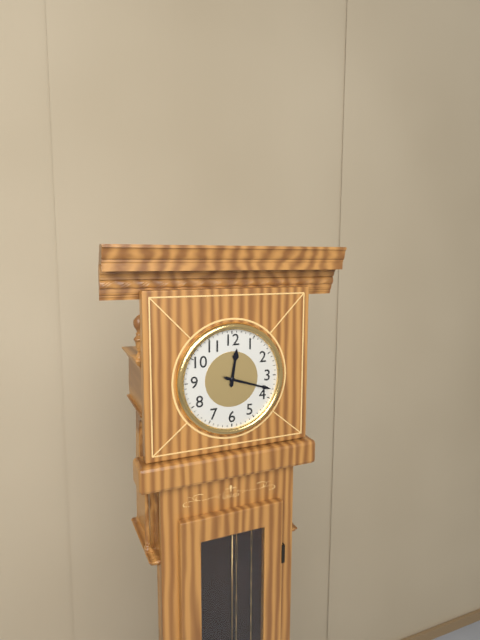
12:18
